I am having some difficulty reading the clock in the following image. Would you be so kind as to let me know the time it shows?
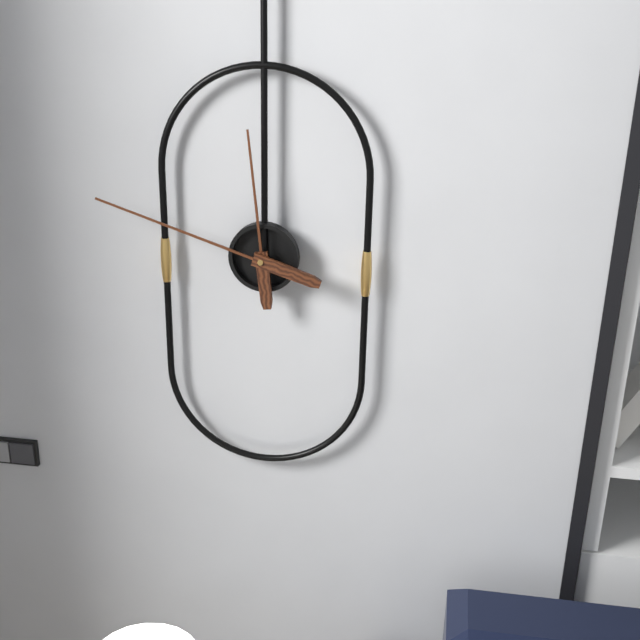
11:48
